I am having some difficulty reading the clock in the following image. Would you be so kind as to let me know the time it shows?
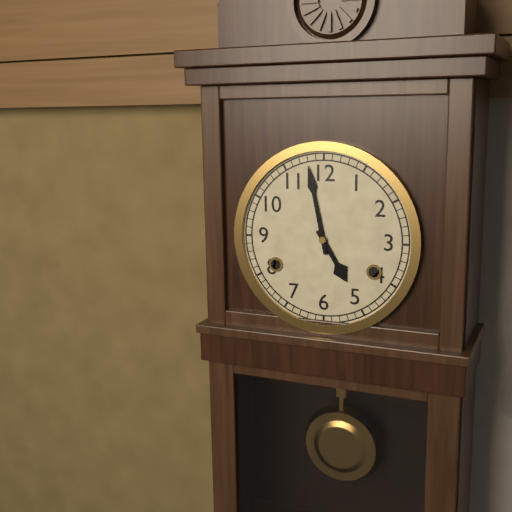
4:58
